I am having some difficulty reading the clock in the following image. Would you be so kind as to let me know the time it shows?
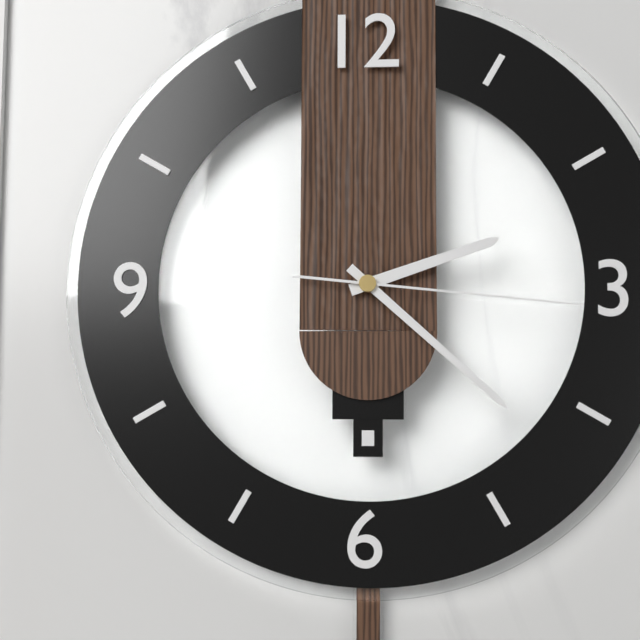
2:22:16
